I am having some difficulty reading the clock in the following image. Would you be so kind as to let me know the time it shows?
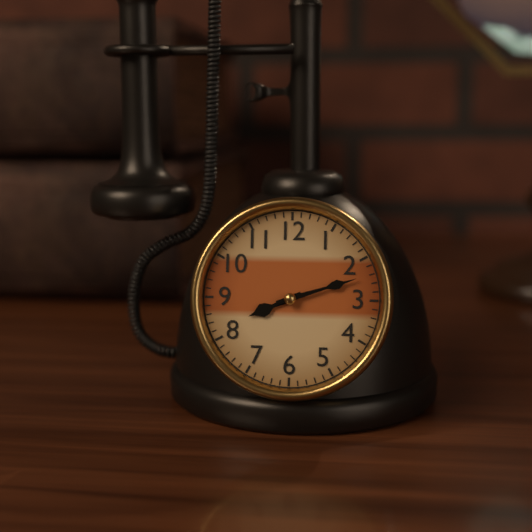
8:12
